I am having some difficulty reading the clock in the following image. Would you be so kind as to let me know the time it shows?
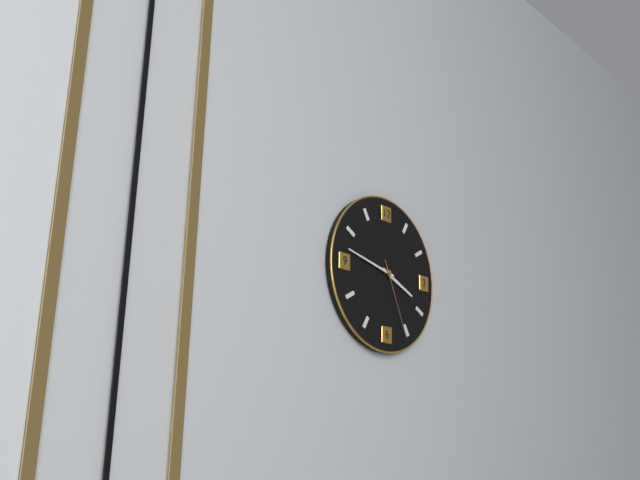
3:47:26
